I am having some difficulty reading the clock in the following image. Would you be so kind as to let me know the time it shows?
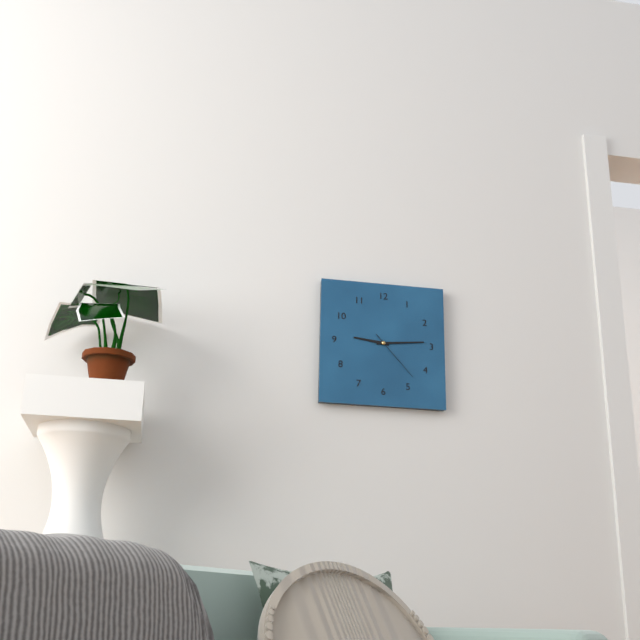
9:14:23
